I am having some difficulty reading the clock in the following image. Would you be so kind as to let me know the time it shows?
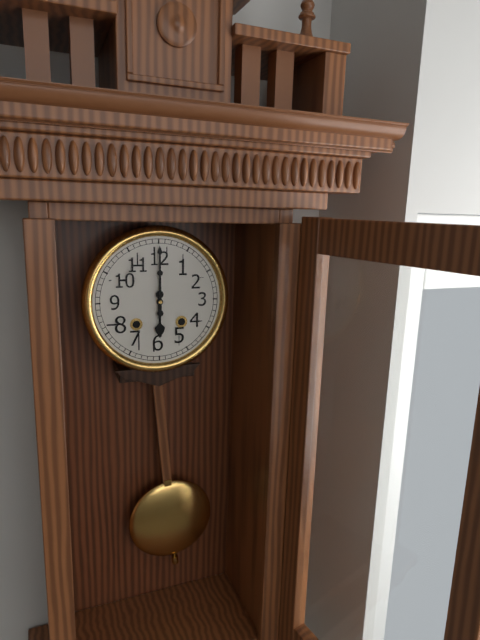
6:00
